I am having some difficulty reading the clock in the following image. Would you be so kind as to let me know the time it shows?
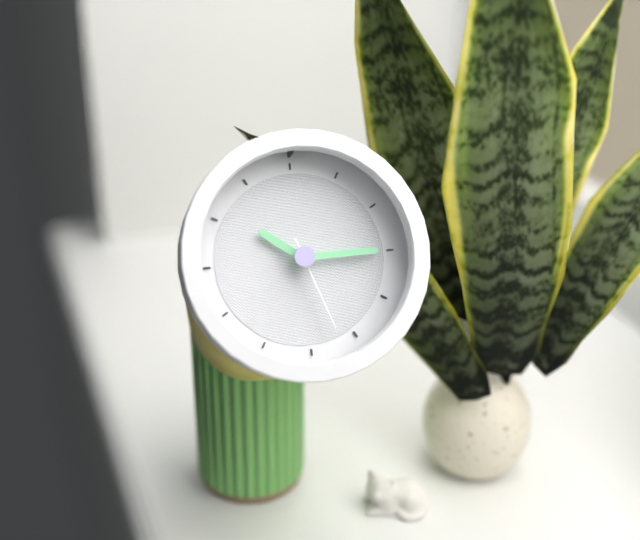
10:15:27
